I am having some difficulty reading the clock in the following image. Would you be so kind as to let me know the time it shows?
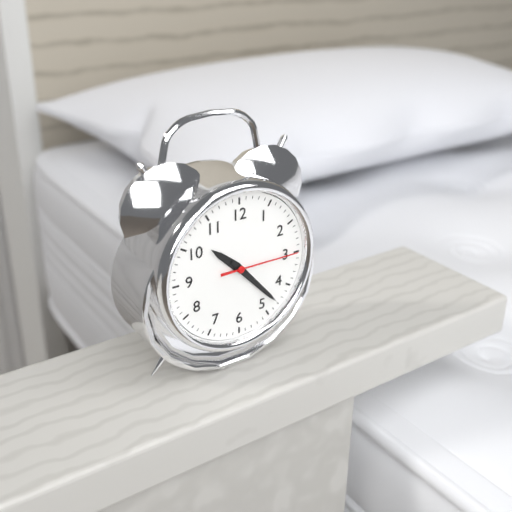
10:23:15
